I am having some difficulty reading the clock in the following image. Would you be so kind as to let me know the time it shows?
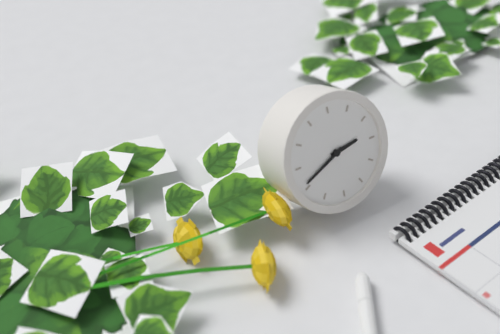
2:41
